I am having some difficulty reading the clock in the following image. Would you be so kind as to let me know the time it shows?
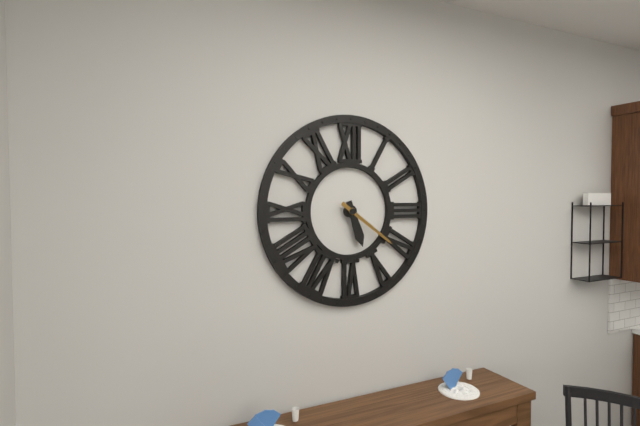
5:21
